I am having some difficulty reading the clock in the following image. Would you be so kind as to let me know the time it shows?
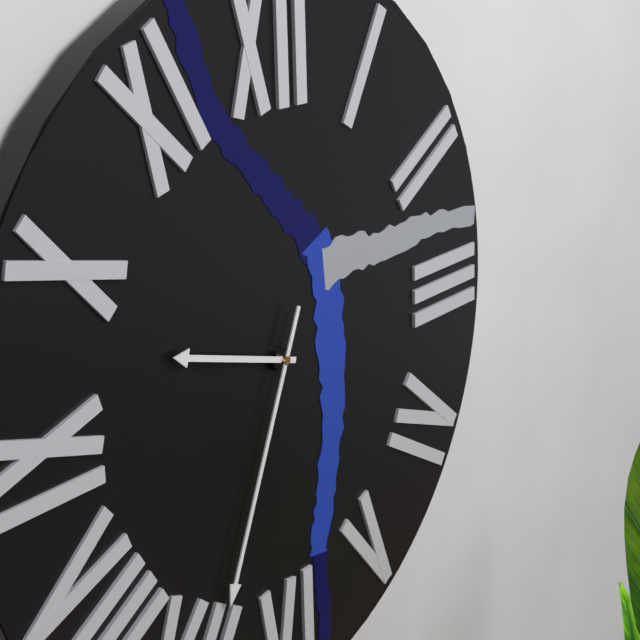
9:34
